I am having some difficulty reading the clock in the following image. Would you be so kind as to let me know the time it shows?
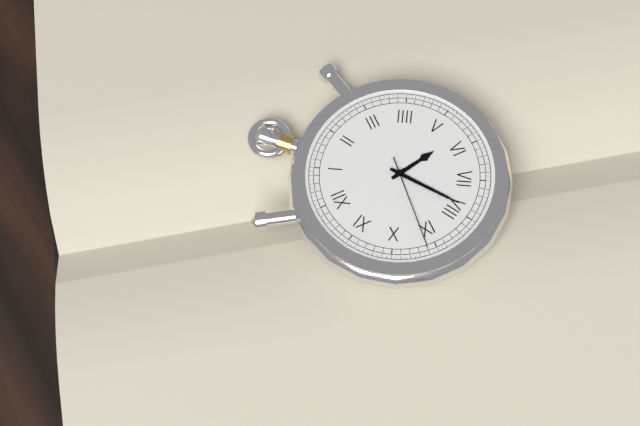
5:39:46
